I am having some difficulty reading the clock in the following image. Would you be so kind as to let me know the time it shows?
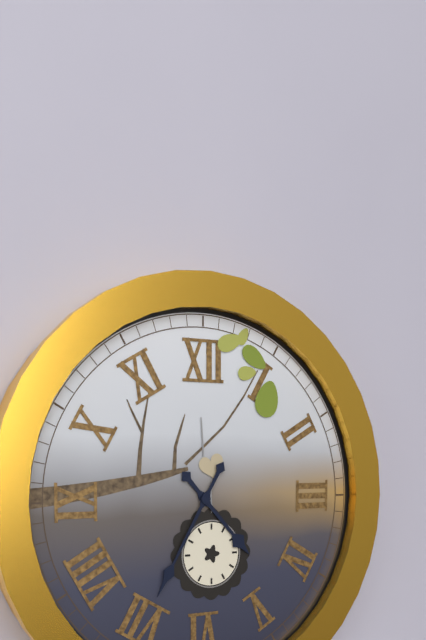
4:35
